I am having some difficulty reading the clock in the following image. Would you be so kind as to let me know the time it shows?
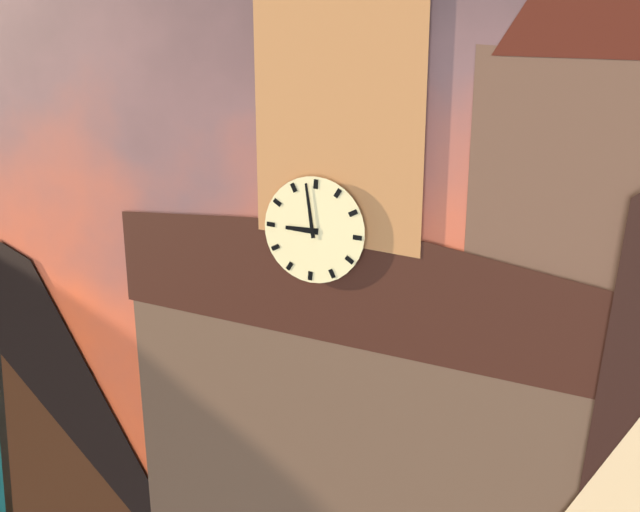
8:58
